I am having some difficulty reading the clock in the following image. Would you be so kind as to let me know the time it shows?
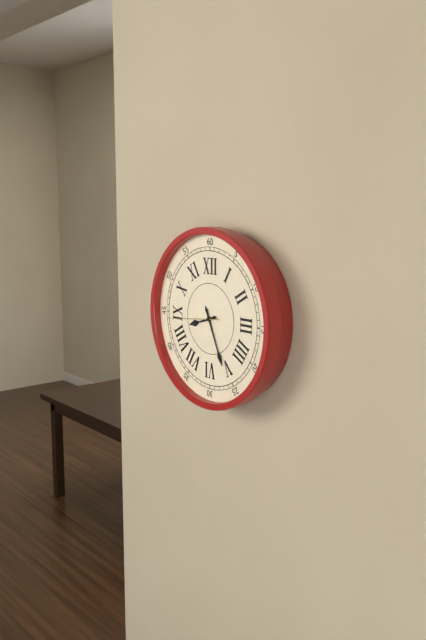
8:26
